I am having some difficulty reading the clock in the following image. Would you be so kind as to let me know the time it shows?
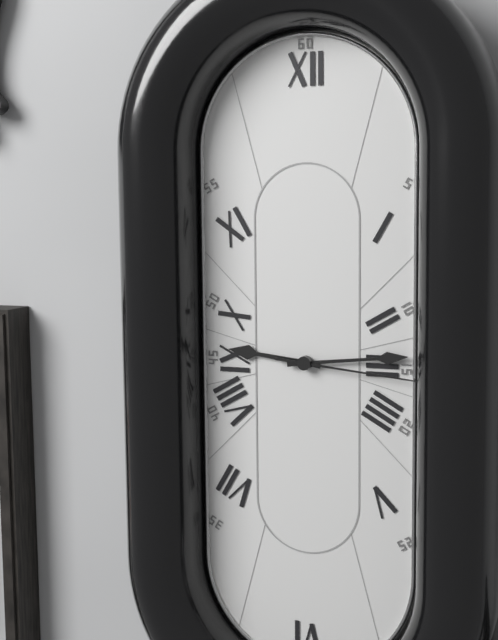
9:14:16
